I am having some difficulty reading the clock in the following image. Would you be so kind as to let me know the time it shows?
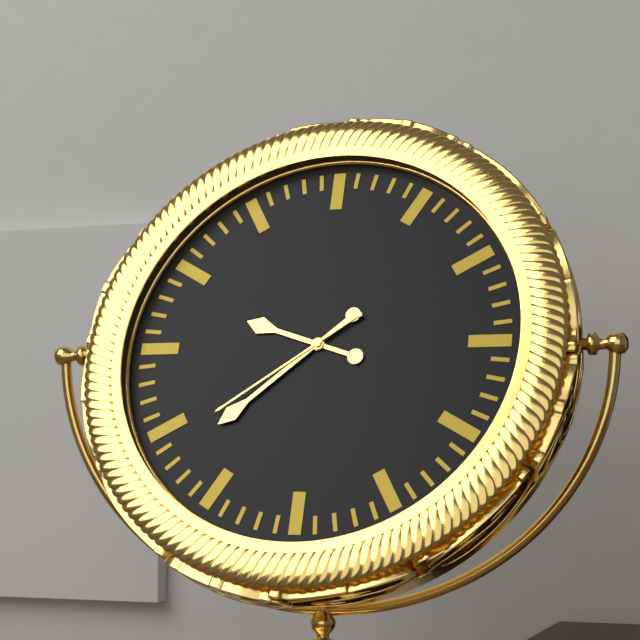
9:38:39
